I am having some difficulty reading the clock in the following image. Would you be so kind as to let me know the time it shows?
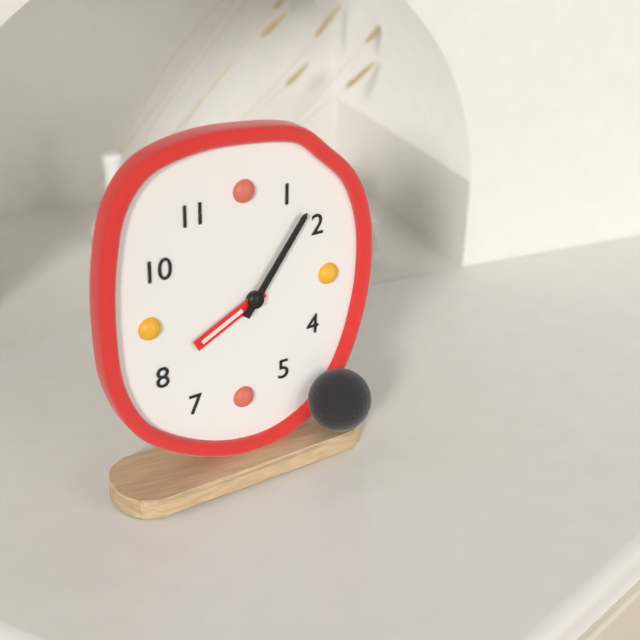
8:06
